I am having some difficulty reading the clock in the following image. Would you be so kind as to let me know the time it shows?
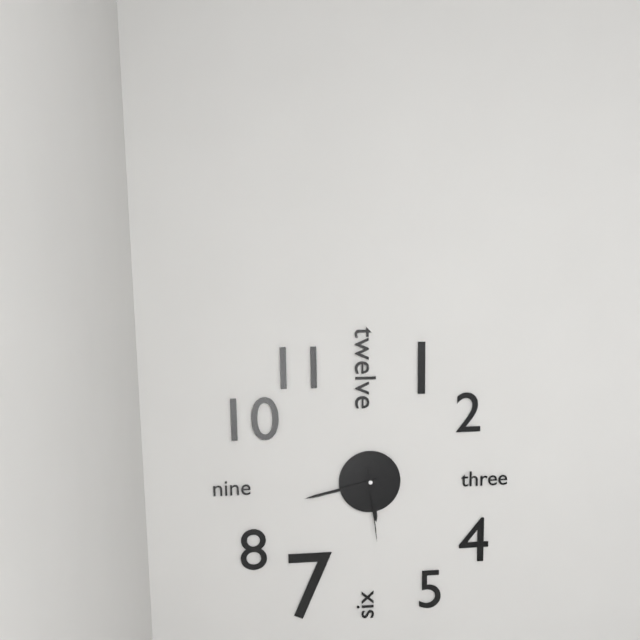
5:43:29
